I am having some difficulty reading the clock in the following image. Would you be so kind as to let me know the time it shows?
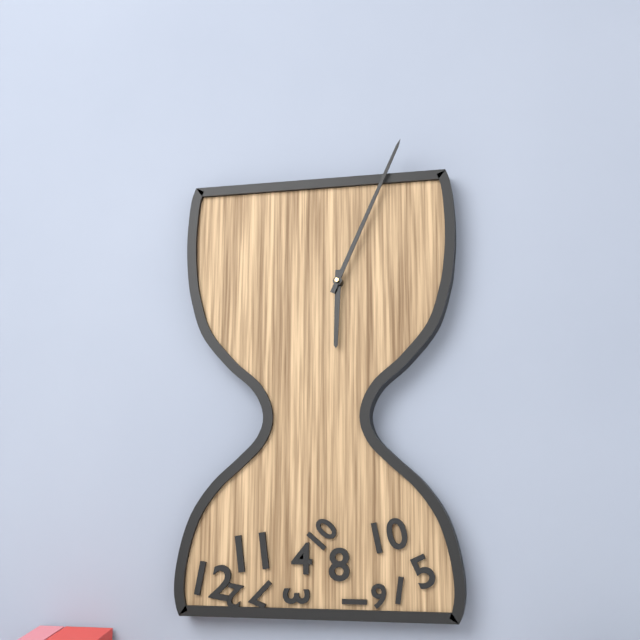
6:04
